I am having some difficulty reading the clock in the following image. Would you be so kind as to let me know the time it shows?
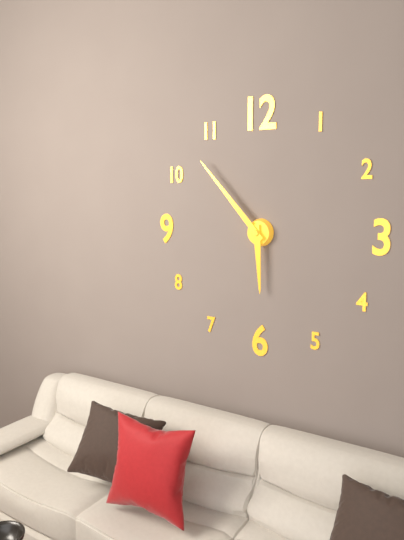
5:53
